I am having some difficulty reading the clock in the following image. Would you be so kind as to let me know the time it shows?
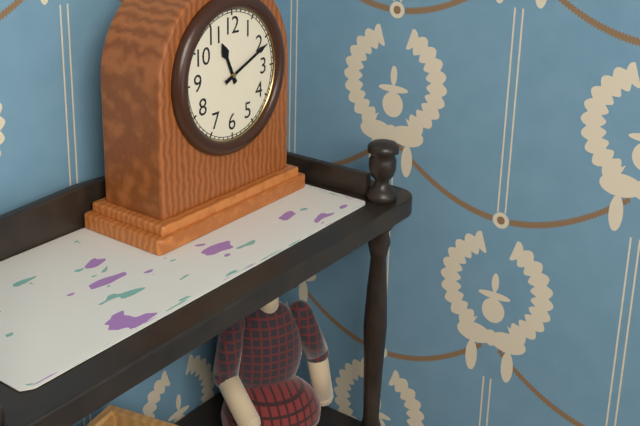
11:11
